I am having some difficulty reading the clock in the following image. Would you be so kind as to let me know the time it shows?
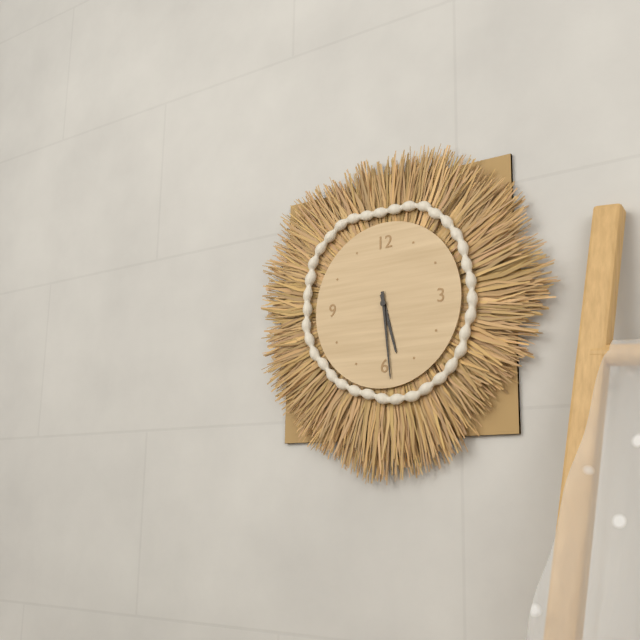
5:29
